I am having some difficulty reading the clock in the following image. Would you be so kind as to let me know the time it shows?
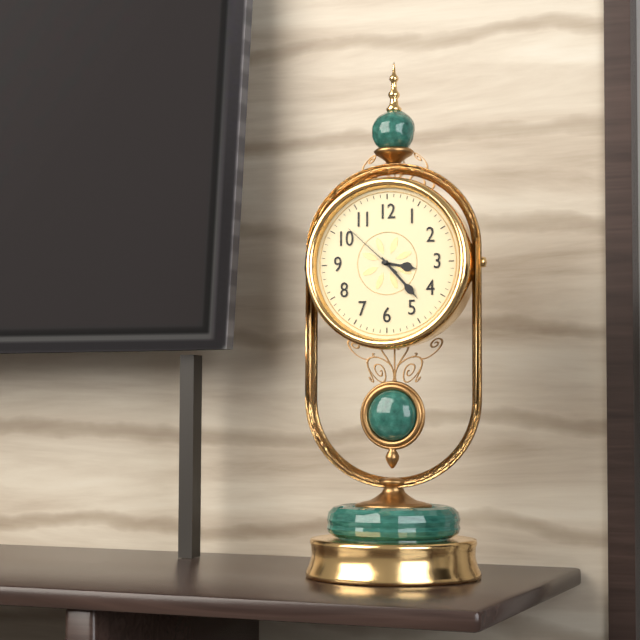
3:23:52
